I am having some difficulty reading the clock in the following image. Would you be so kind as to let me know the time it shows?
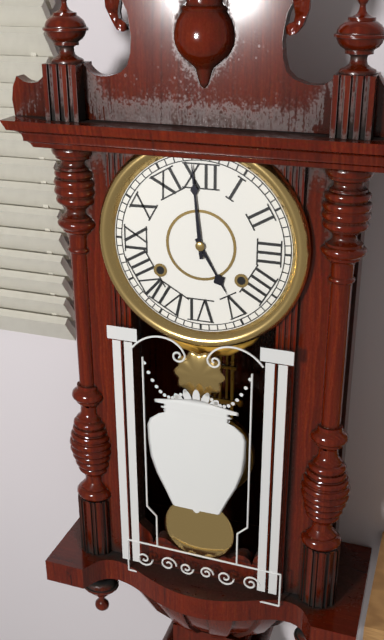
4:59
